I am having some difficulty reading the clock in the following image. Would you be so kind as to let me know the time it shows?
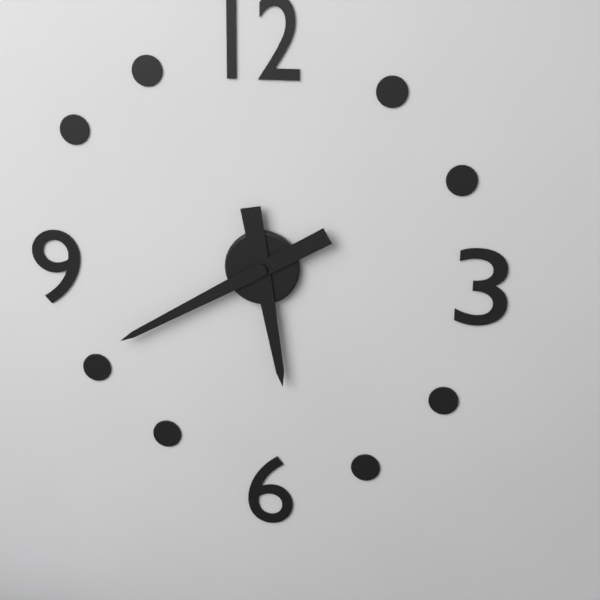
5:40
